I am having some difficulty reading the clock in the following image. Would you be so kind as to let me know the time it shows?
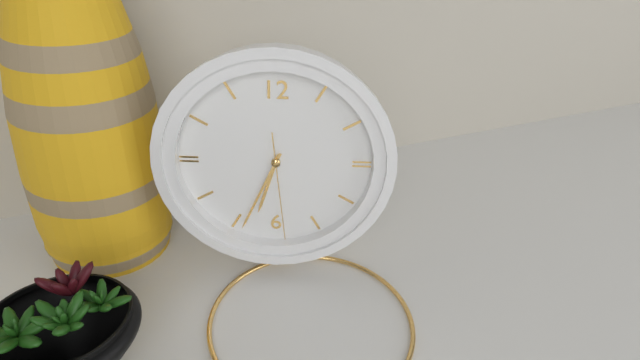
6:34:29
